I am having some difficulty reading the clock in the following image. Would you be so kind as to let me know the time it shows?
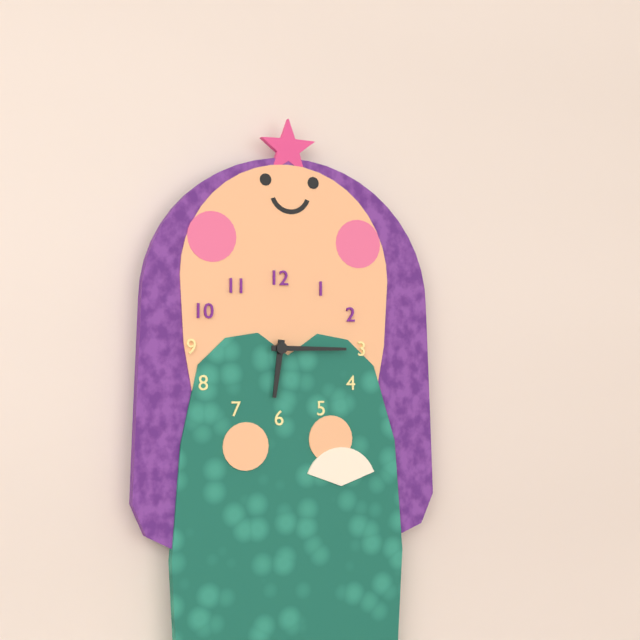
6:15
